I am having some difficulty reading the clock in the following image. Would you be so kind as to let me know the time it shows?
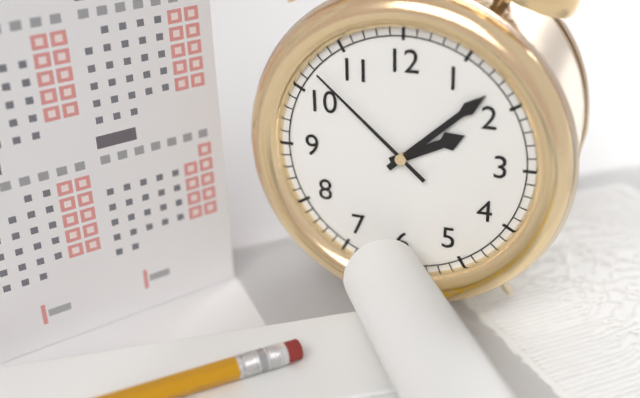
2:08:52
